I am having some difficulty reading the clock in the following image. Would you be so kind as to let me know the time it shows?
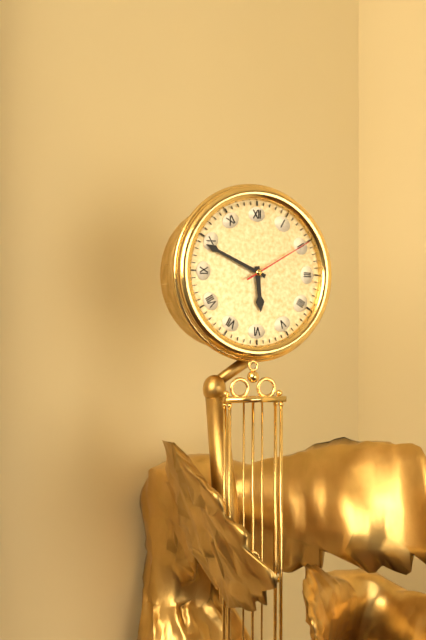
5:49:10
